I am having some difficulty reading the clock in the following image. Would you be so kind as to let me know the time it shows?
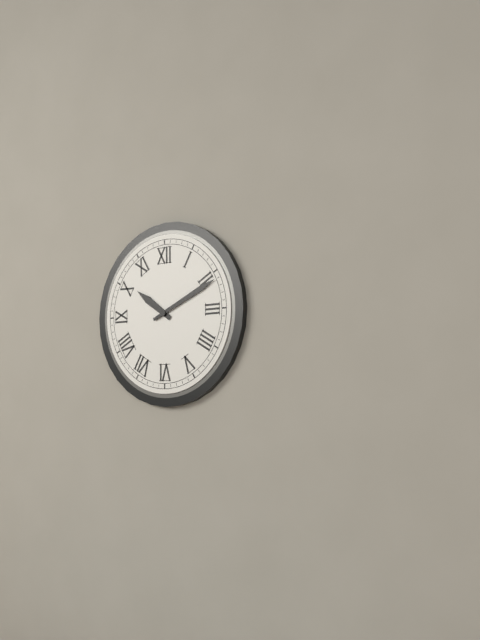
10:11
